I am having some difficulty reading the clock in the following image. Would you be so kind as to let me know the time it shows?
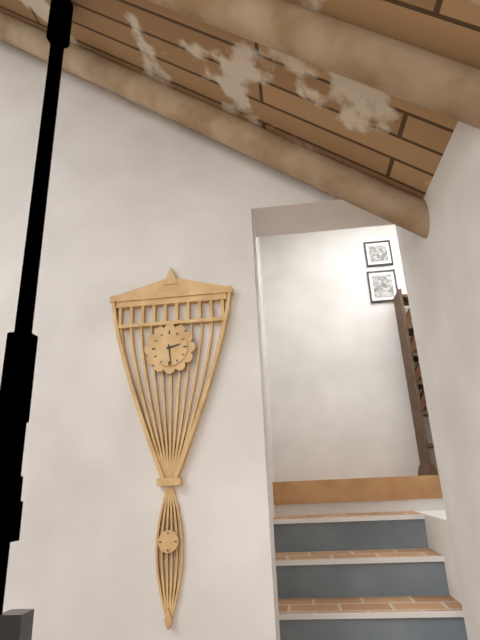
2:29
